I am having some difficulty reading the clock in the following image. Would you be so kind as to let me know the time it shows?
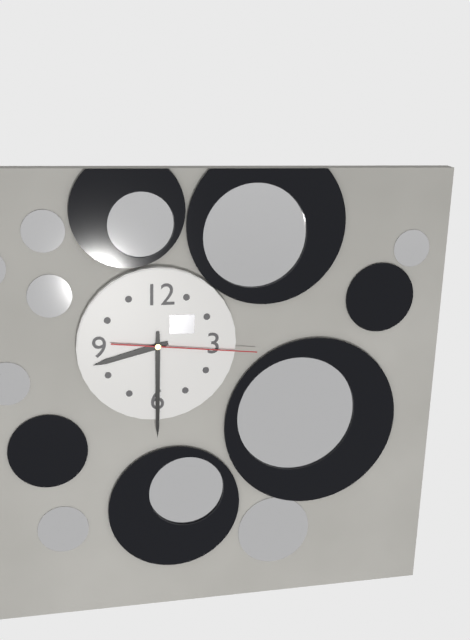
8:30:16
